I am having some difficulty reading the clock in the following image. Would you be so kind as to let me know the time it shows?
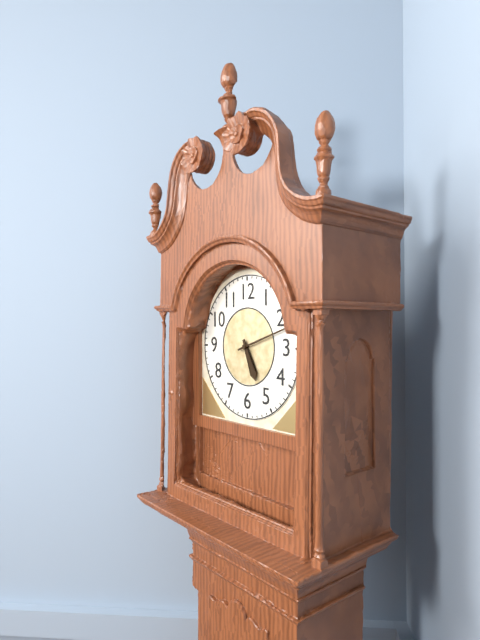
5:12
